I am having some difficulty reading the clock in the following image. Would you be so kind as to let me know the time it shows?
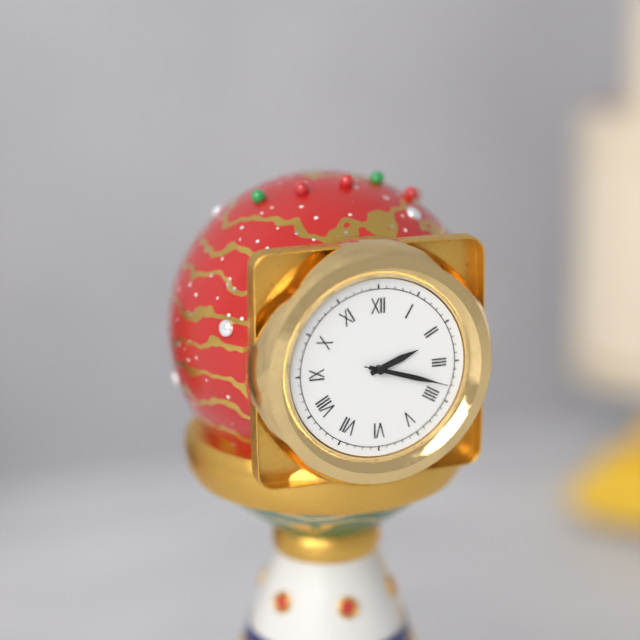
2:18:18
